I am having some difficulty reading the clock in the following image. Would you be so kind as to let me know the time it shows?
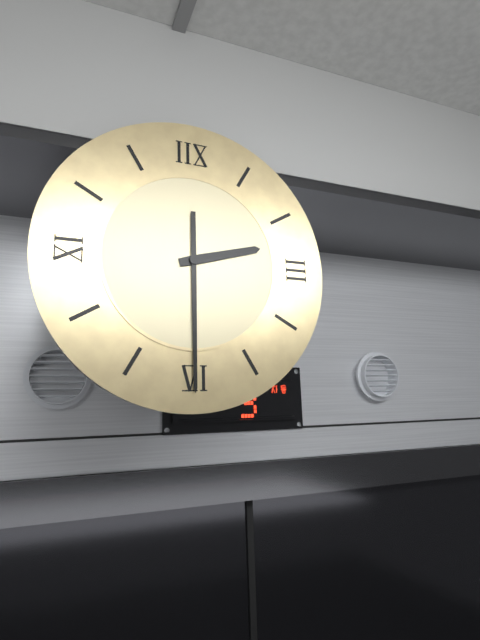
2:30
